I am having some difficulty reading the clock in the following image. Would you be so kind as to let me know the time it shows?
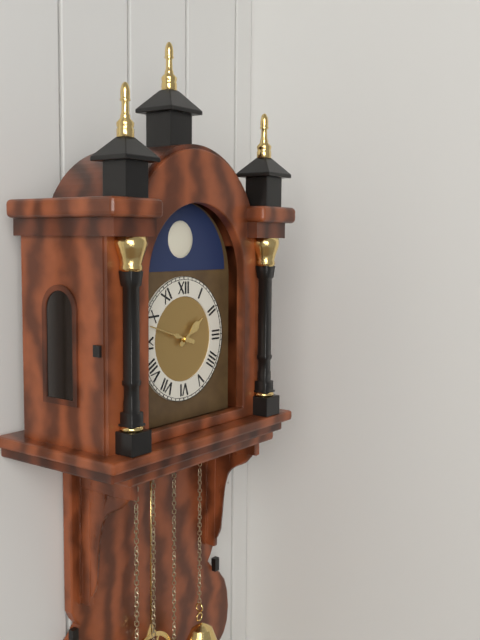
1:48
